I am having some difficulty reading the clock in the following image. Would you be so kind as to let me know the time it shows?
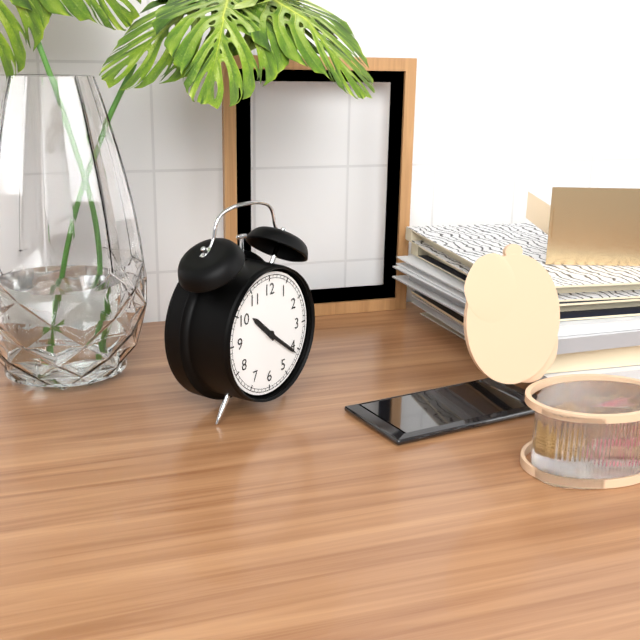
10:21
